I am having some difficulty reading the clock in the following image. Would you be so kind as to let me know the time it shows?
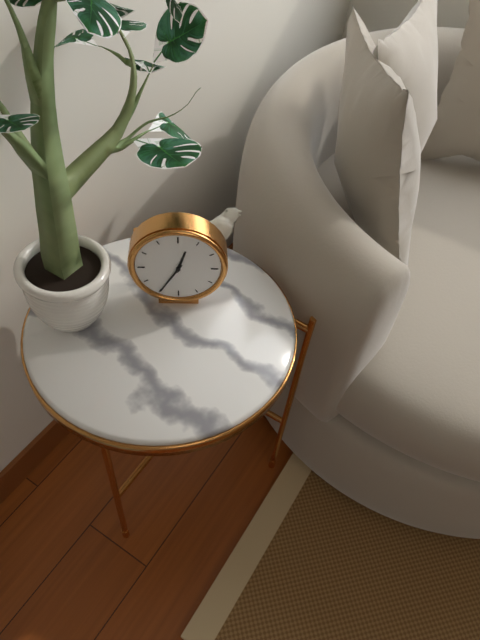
12:35
